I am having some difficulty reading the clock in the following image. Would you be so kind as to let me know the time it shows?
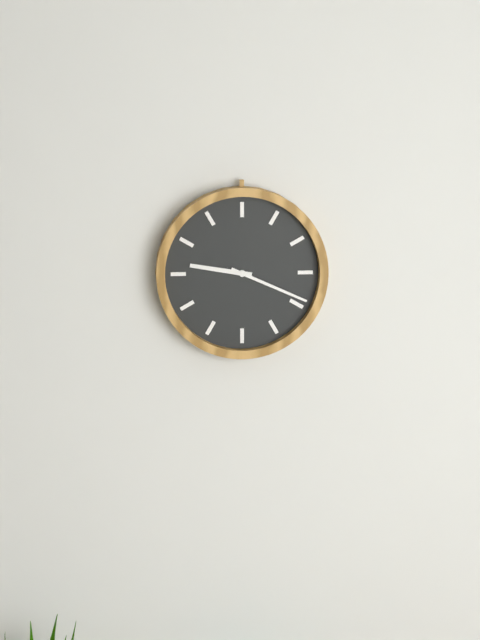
9:19
